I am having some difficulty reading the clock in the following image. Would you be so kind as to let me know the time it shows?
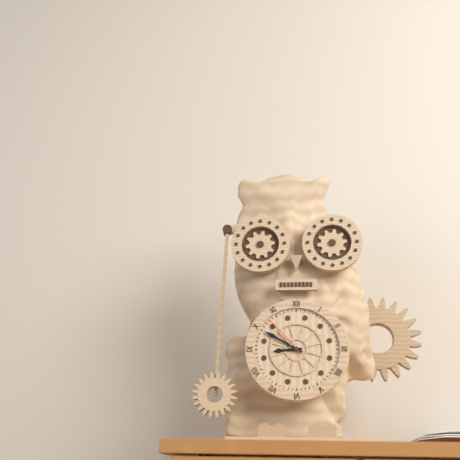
8:50:53
